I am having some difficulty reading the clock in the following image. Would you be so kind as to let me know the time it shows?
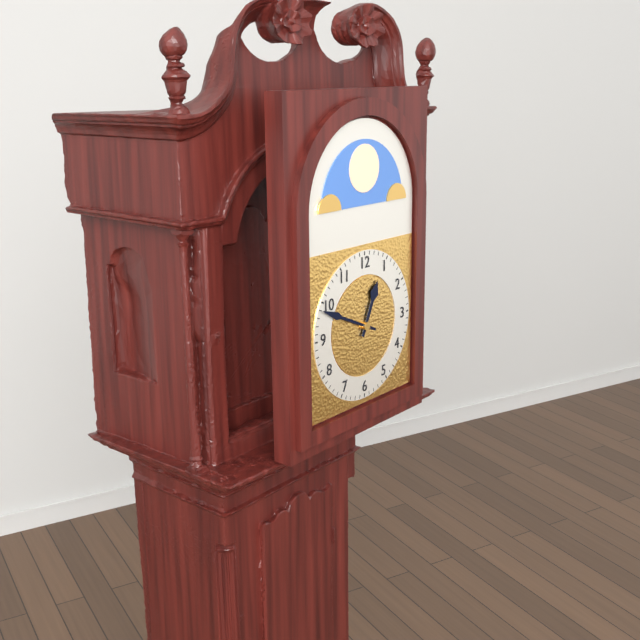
12:49
